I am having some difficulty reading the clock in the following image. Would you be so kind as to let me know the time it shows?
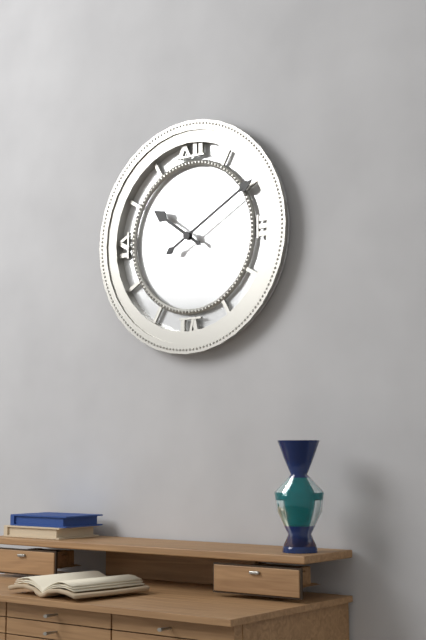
10:10
